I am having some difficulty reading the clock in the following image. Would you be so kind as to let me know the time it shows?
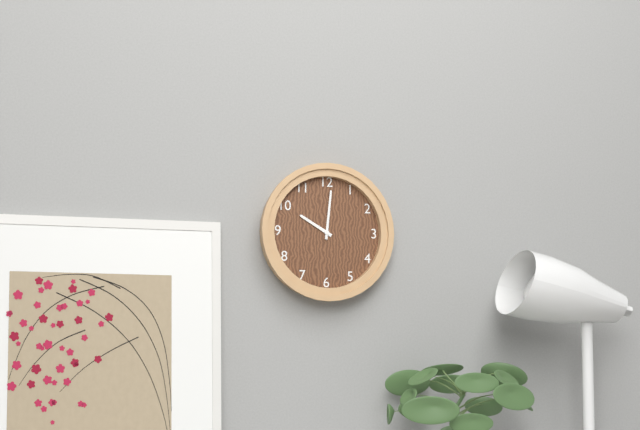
10:01
